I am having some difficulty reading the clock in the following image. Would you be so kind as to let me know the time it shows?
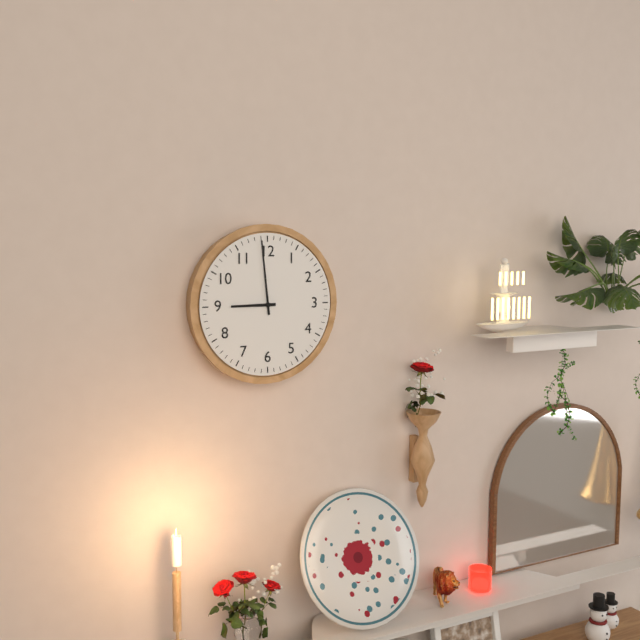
8:59
